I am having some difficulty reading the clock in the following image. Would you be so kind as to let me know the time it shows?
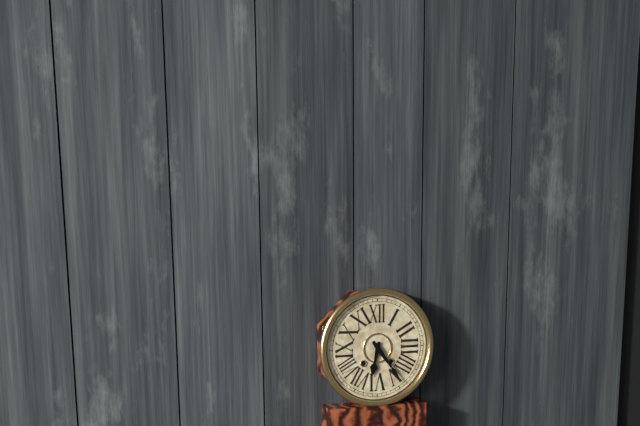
6:24
